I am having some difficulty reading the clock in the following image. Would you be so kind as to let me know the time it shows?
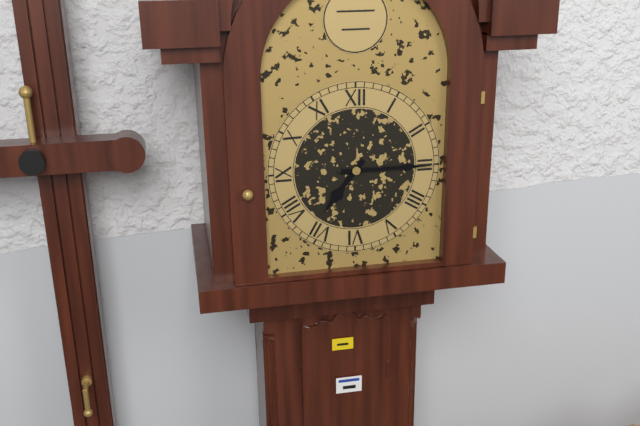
7:15
